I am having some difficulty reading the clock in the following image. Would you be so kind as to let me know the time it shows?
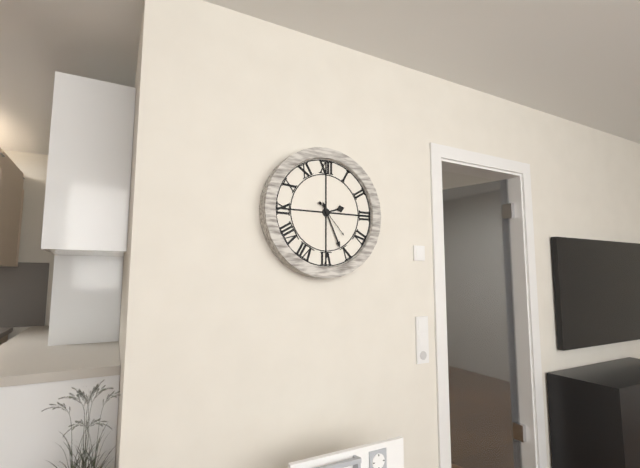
2:26
